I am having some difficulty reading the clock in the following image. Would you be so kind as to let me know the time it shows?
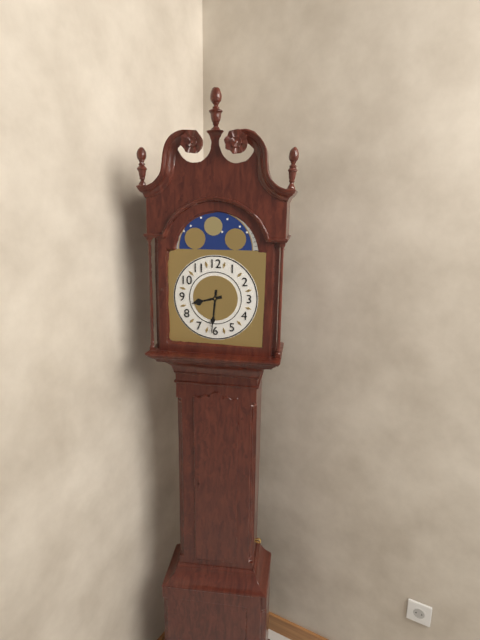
8:31
